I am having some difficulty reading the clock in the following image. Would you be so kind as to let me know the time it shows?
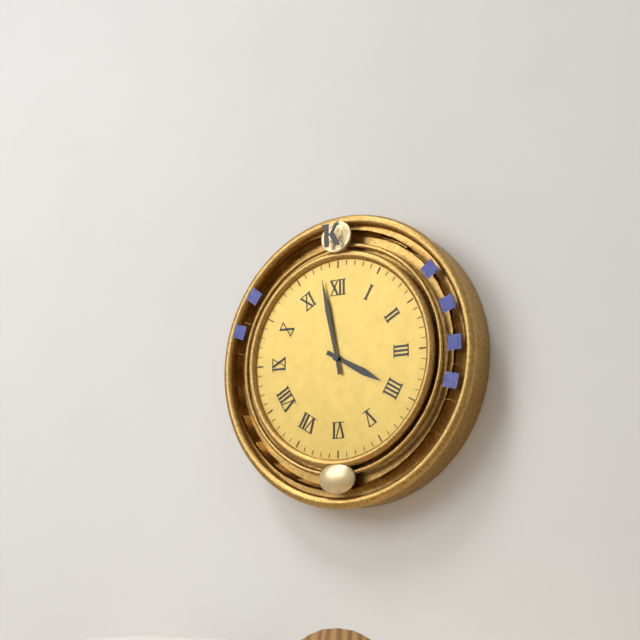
3:58
